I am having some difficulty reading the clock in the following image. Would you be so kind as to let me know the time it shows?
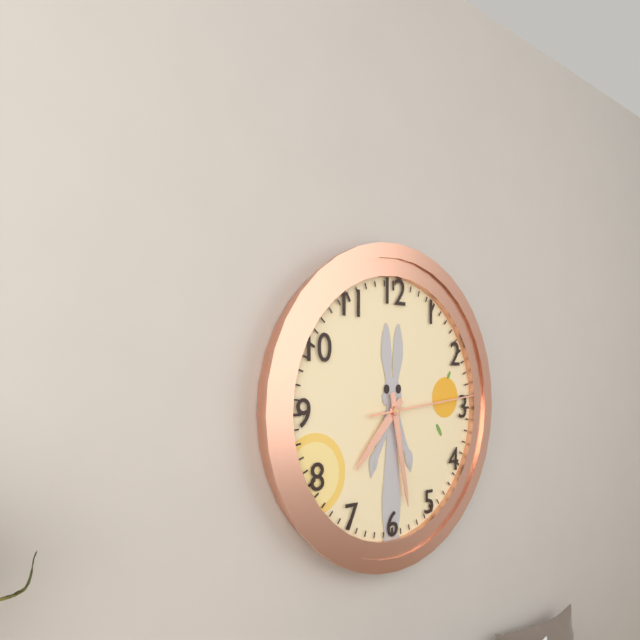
7:28:14
